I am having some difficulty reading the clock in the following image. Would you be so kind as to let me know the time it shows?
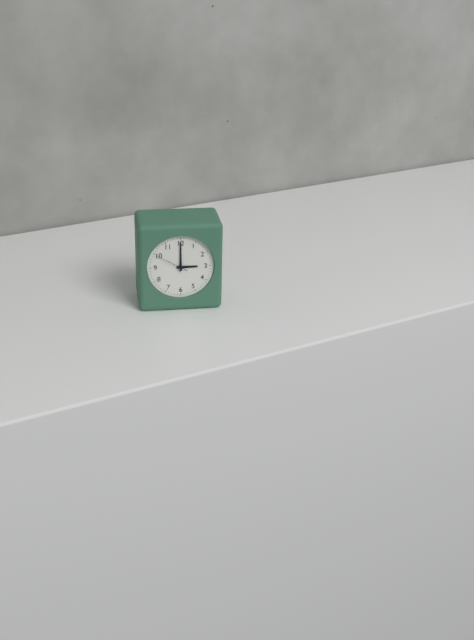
3:00
